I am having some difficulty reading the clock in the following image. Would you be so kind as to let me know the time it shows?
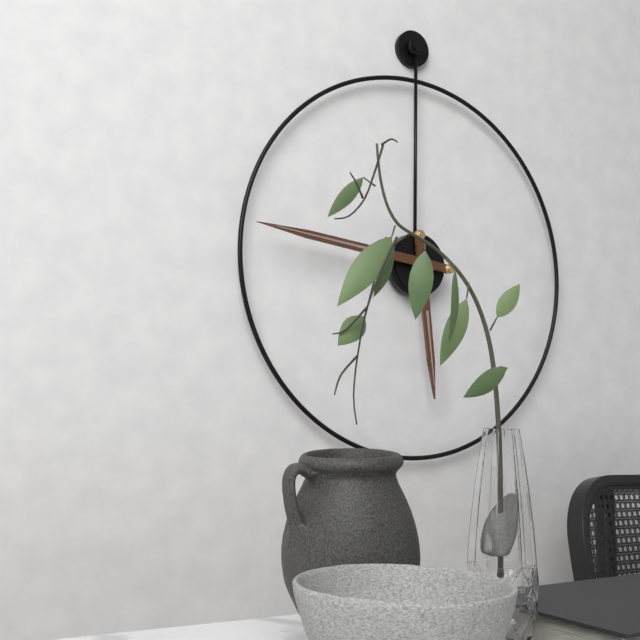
5:46
